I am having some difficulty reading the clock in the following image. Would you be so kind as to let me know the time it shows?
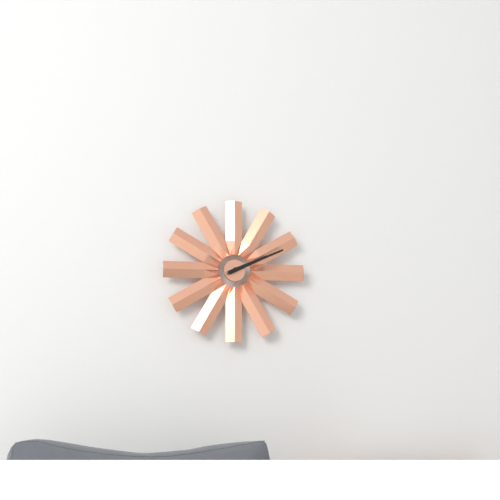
2:11
